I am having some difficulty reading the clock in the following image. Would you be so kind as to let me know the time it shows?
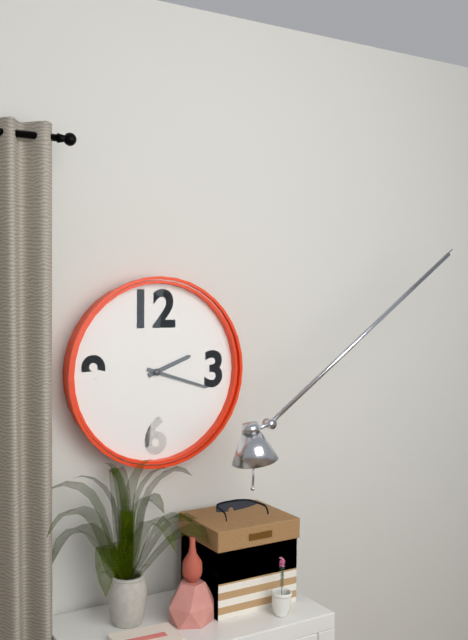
2:18
